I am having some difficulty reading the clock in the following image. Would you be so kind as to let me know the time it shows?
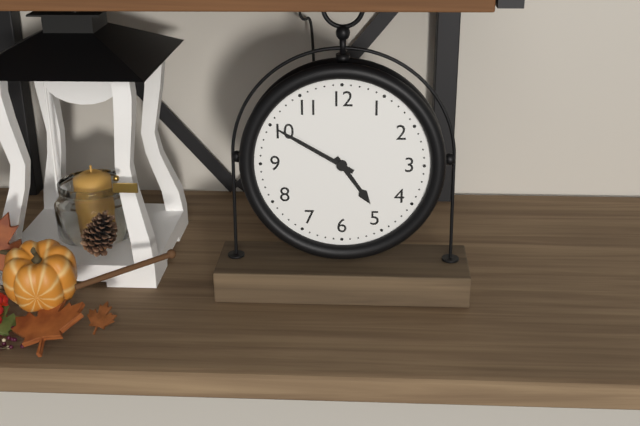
4:50
